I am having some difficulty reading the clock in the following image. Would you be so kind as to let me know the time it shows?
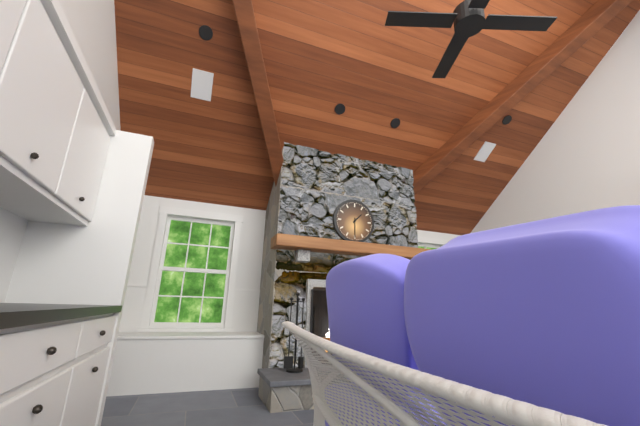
1:30
